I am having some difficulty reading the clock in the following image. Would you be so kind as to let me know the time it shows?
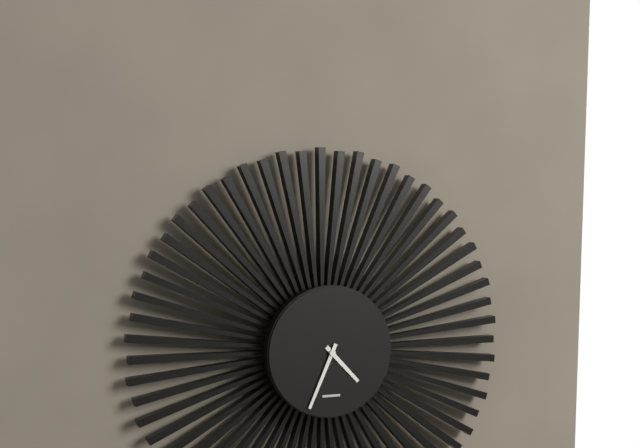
4:34
